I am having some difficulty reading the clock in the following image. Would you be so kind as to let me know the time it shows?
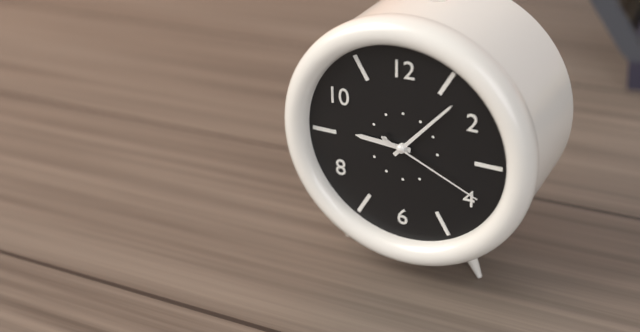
9:07:19
